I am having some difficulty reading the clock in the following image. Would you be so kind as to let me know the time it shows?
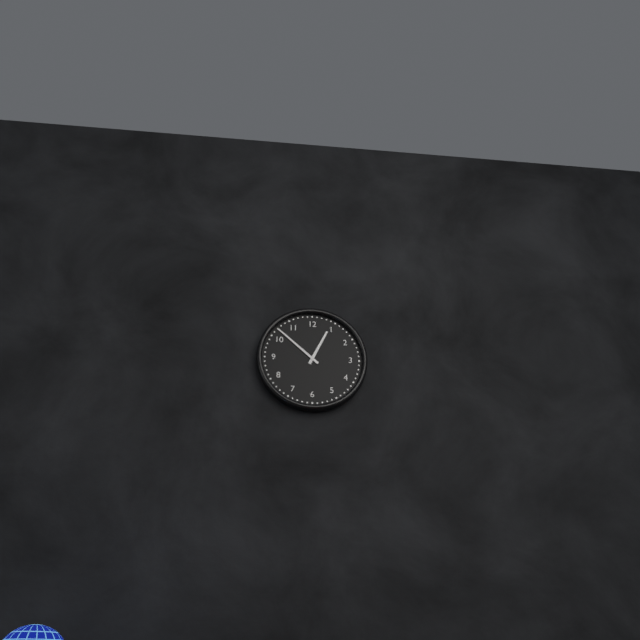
12:52
